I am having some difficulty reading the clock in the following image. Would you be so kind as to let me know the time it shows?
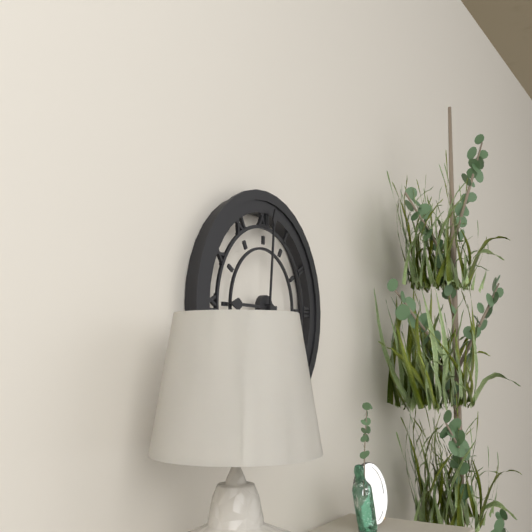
9:01
